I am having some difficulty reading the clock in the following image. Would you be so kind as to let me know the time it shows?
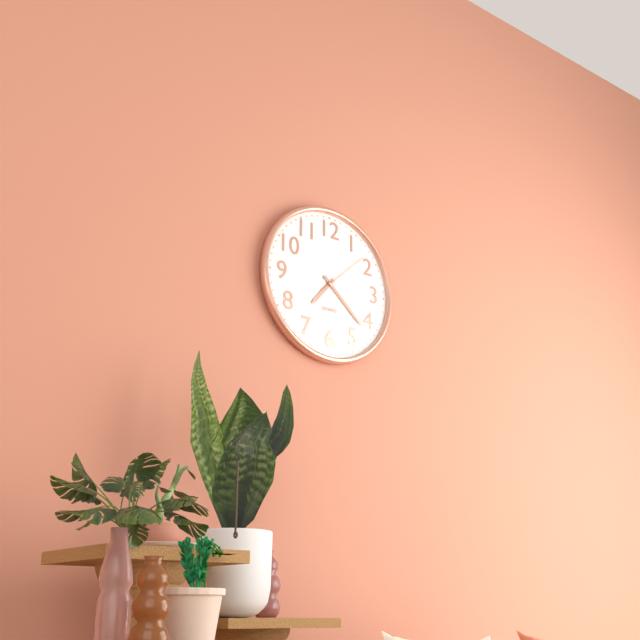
7:22:08
